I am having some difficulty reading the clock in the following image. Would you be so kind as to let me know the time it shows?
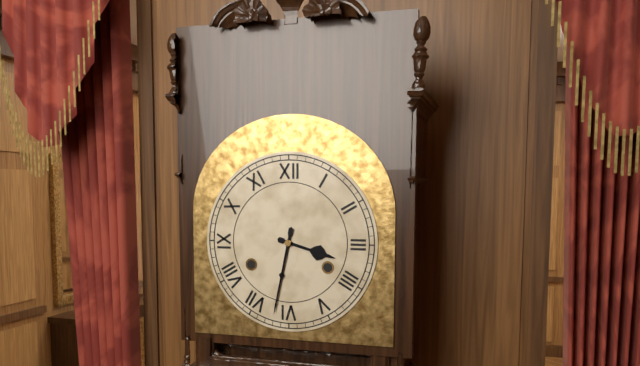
3:32
